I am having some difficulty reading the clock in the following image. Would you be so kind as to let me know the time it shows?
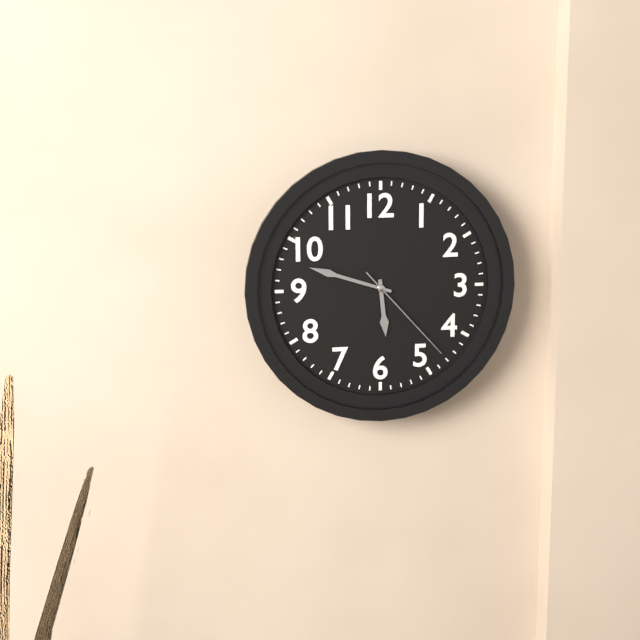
5:48:23
